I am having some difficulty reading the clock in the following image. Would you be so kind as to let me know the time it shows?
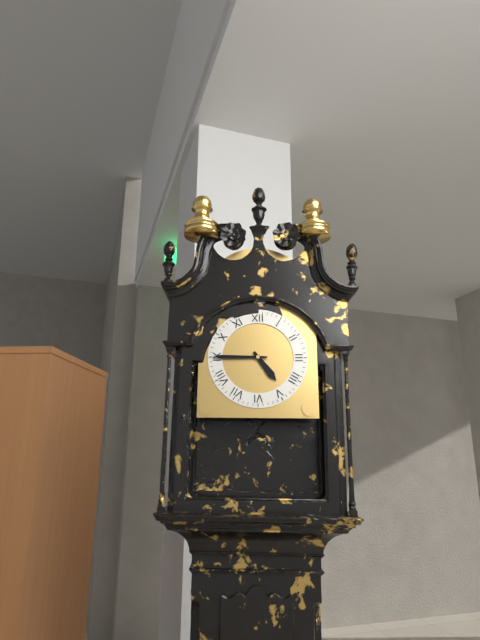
4:45
